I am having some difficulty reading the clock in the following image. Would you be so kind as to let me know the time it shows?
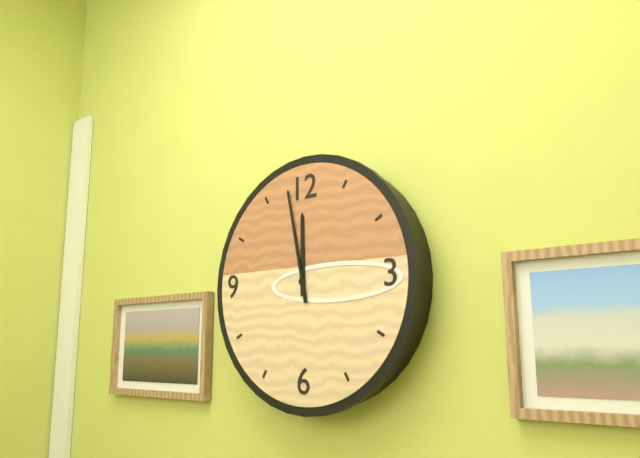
11:58
